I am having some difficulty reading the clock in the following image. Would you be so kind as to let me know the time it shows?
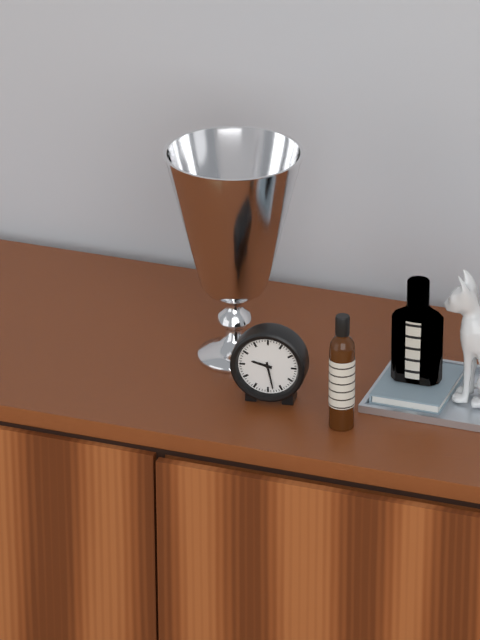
9:28
